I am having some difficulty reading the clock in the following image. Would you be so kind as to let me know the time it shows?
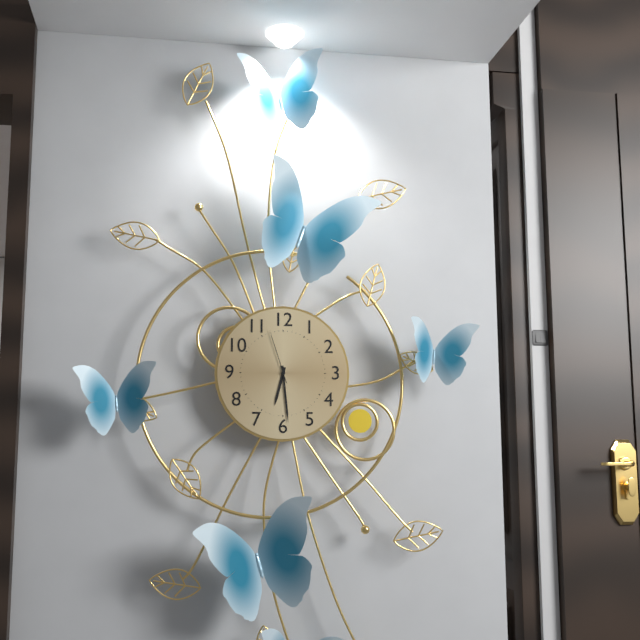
6:29:57
